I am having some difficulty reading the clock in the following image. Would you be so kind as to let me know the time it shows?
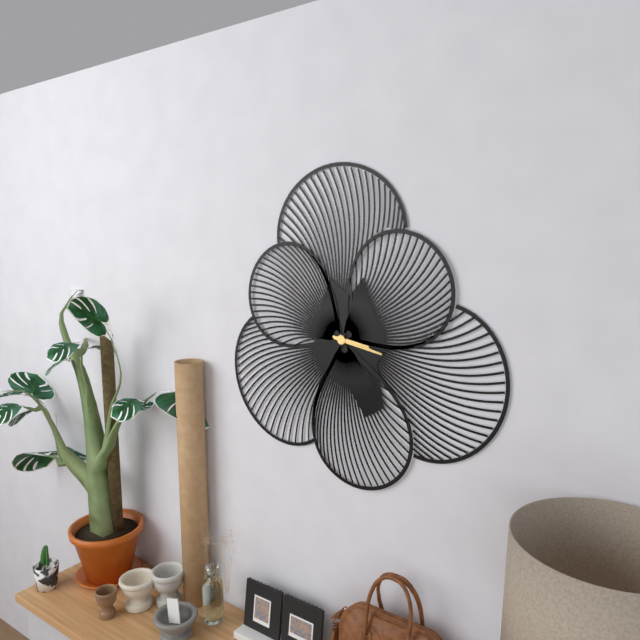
3:17
